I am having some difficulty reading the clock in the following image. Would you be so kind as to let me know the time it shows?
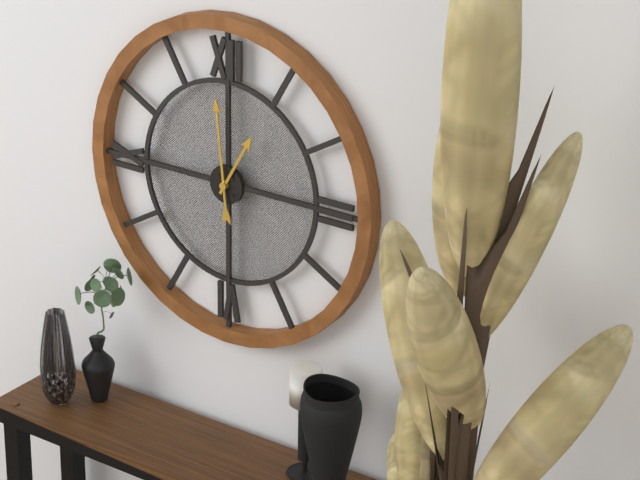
12:59
